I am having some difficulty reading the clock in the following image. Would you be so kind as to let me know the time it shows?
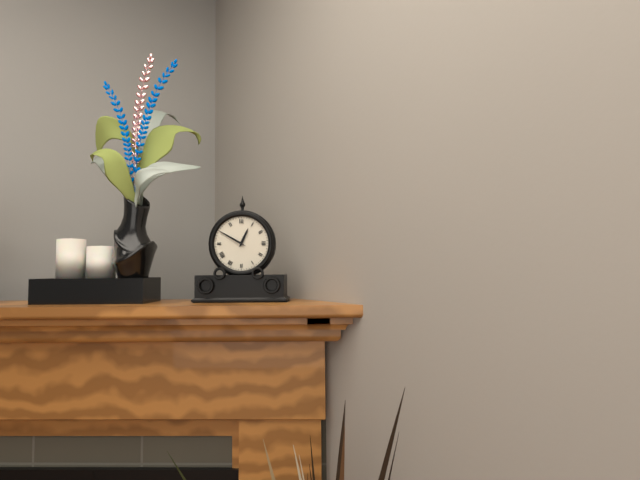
12:50
